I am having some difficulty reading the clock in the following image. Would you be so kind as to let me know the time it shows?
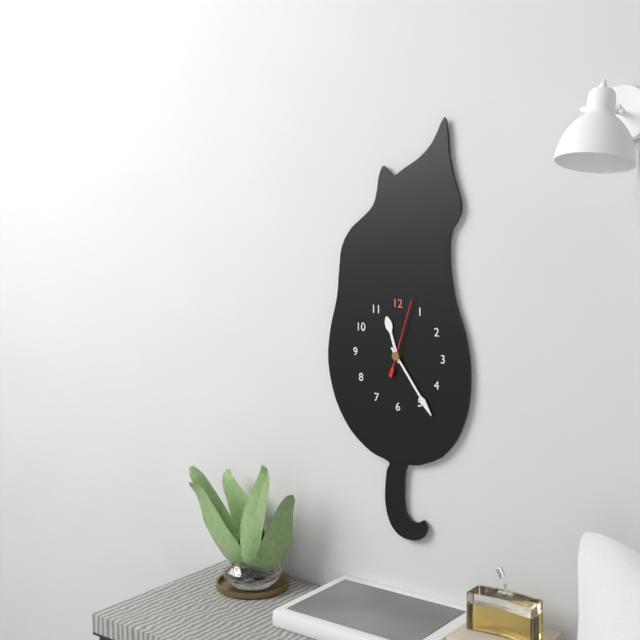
11:24:03
